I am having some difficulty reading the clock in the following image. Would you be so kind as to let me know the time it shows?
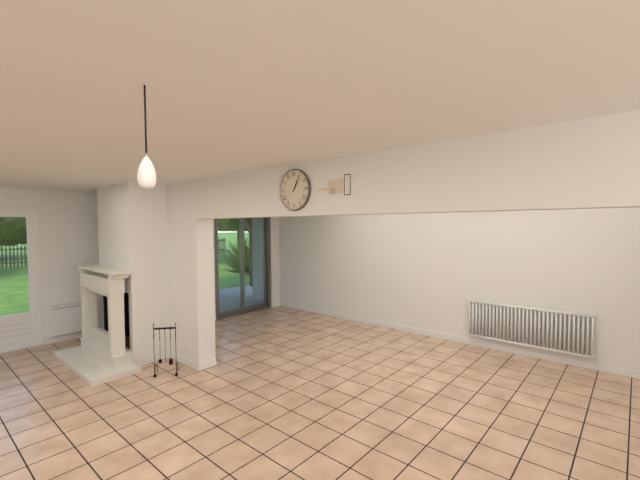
1:05
